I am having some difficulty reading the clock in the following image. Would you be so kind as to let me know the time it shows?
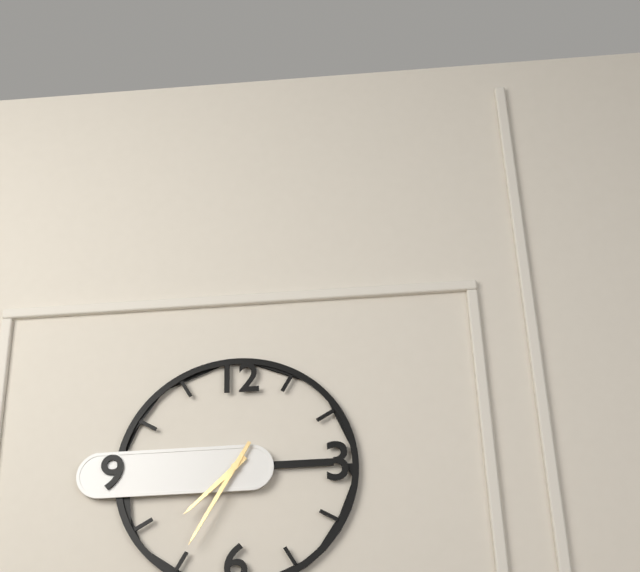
7:35
